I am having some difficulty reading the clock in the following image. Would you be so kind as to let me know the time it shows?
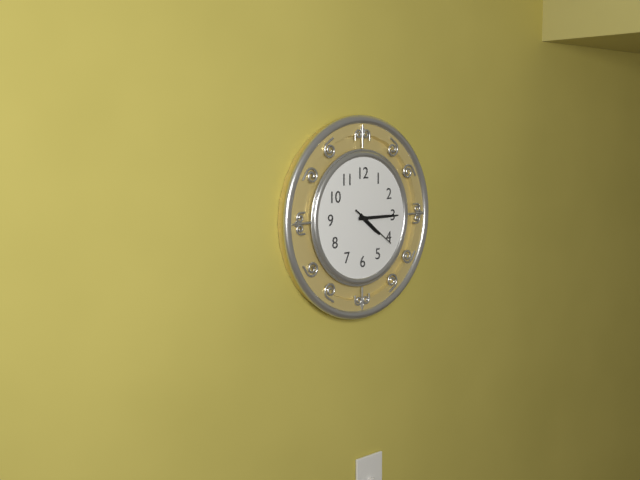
4:15:21
